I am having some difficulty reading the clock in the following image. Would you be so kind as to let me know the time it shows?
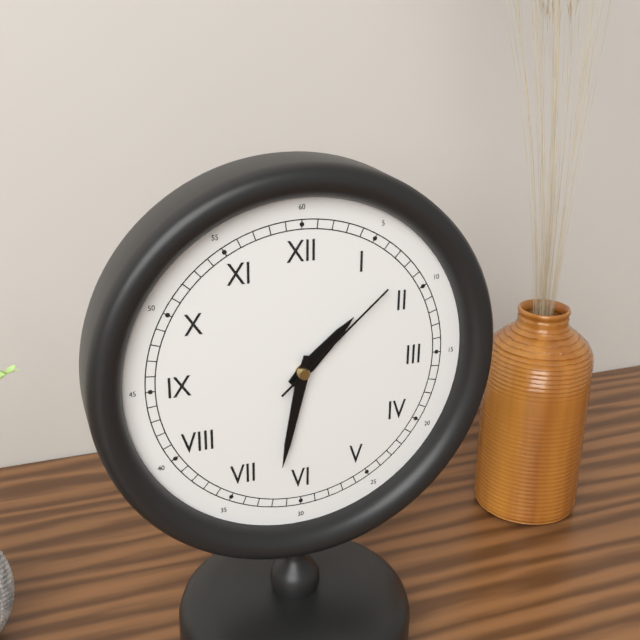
1:32:08
